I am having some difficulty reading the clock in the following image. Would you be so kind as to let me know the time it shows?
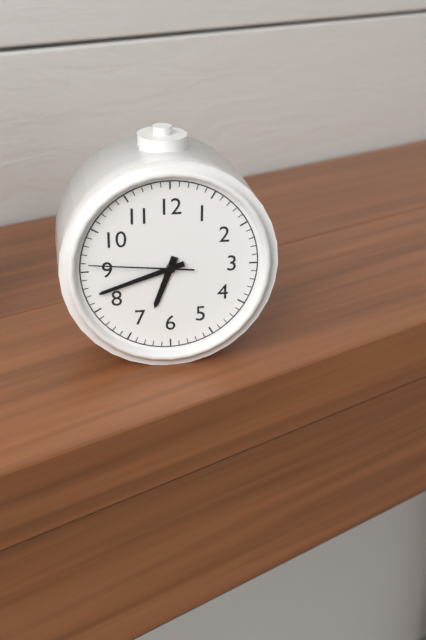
6:42:46
